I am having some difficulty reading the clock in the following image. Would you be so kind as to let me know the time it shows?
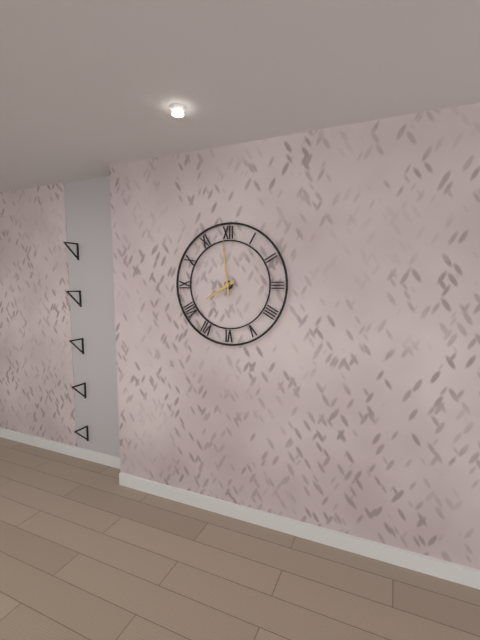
7:59
